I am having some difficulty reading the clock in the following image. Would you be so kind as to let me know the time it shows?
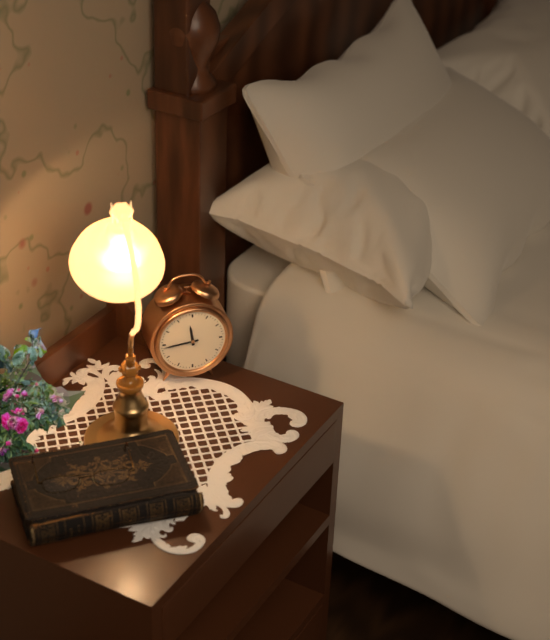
11:44
